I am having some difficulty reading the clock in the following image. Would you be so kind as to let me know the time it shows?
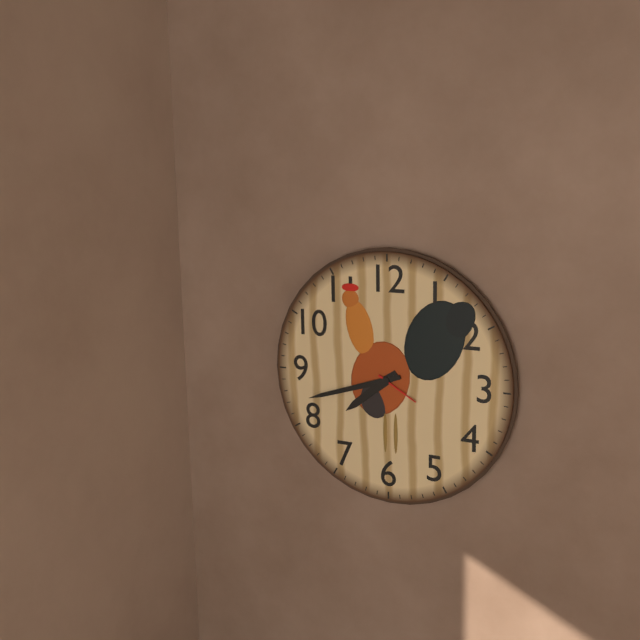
7:42
